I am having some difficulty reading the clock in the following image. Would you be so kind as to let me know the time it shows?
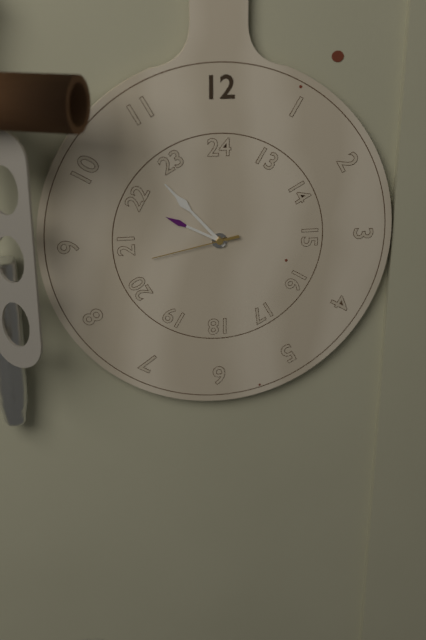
9:53:43
